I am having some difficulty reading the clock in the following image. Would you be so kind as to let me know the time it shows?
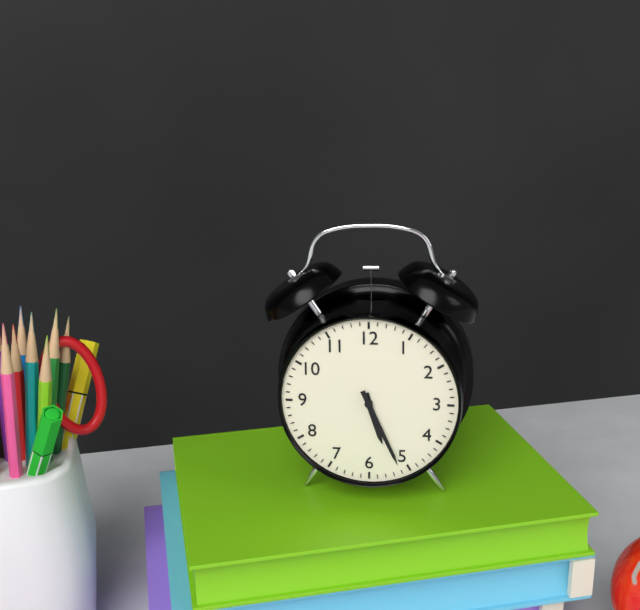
5:26
